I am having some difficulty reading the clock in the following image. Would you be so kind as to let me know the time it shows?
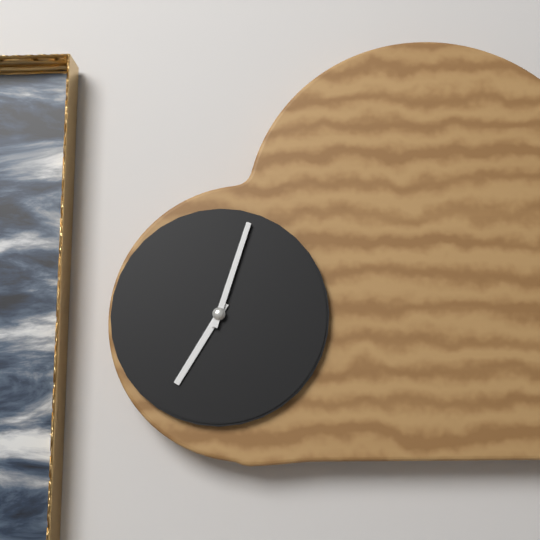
7:03
